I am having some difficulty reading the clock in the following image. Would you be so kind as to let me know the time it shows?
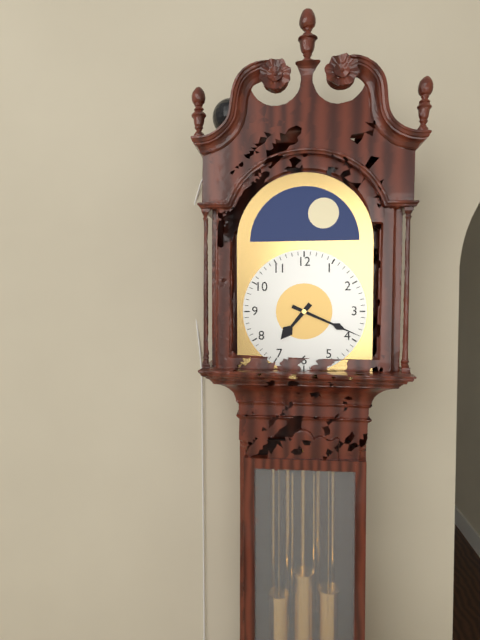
7:19
